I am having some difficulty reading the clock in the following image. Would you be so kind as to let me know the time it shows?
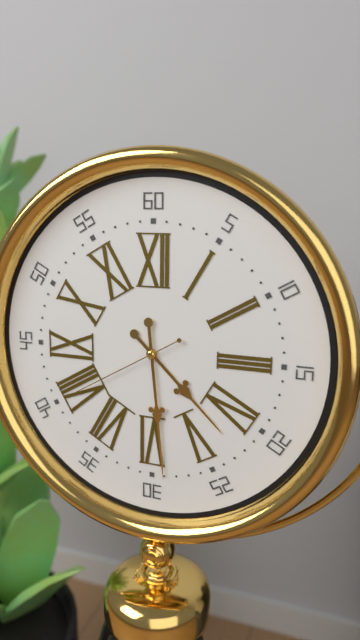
4:29:40
